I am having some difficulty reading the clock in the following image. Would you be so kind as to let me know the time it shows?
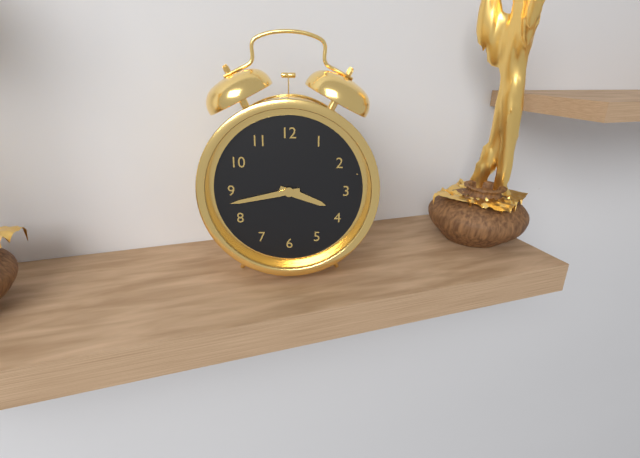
3:43
